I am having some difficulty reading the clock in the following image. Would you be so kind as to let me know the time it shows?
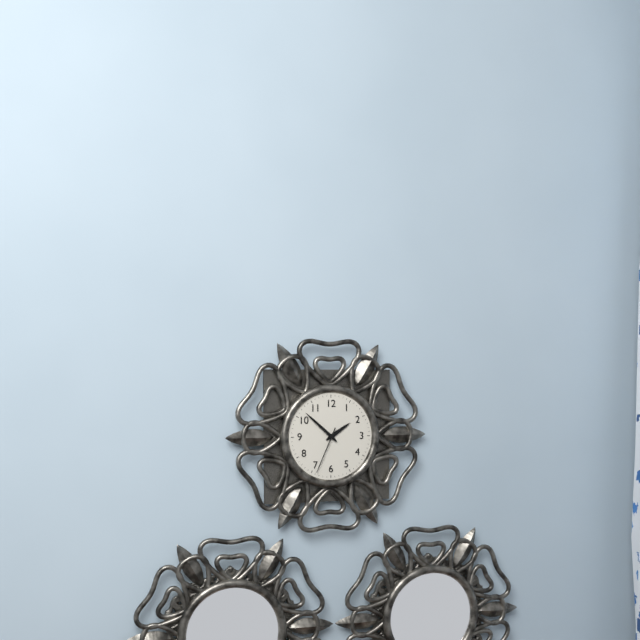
1:52
